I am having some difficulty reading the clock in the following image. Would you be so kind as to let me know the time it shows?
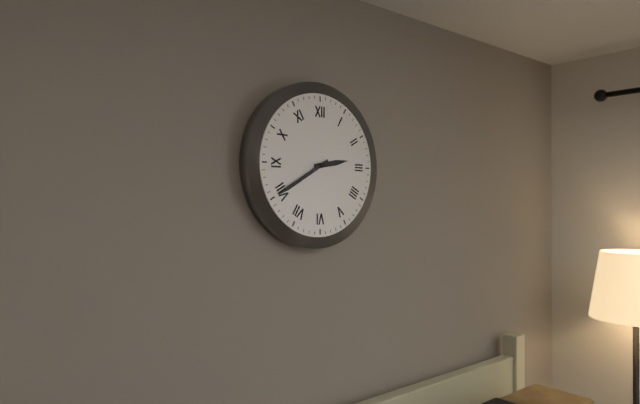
2:40
